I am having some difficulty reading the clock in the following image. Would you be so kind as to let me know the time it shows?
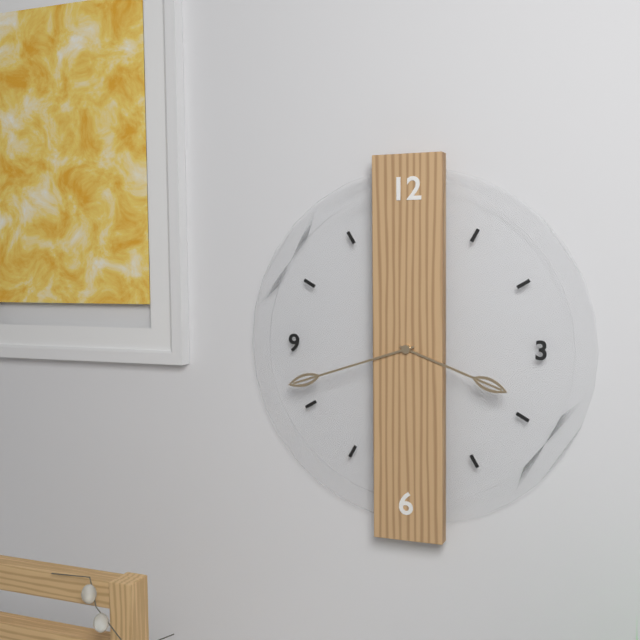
3:42
